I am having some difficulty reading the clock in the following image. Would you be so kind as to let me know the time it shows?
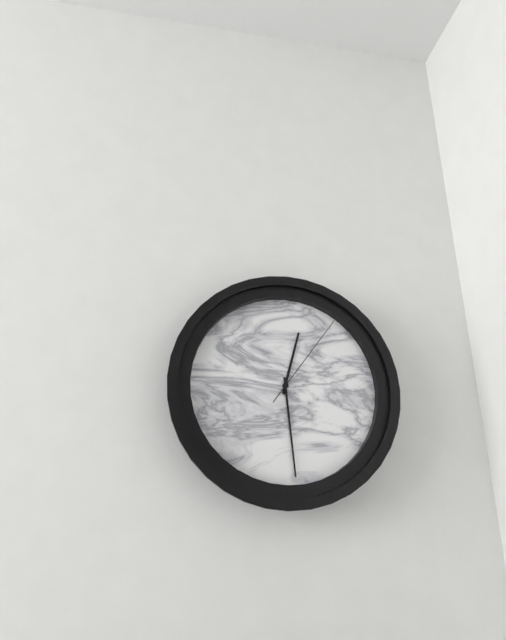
12:29:06
